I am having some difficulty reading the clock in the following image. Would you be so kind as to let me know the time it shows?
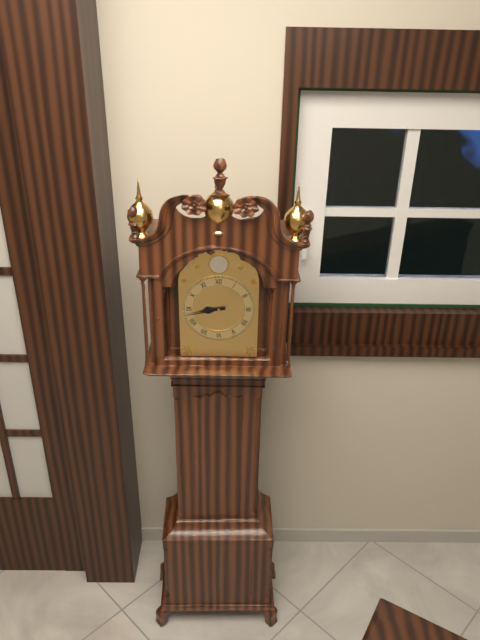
8:43
